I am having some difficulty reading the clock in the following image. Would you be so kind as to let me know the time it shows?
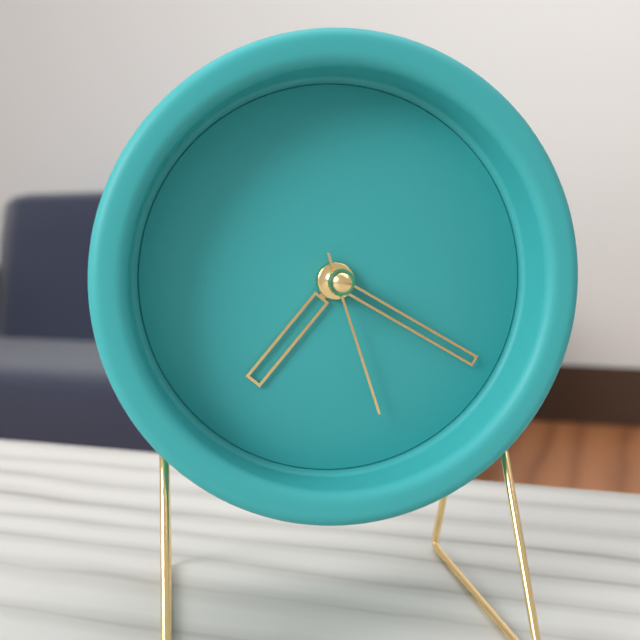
7:20:27
